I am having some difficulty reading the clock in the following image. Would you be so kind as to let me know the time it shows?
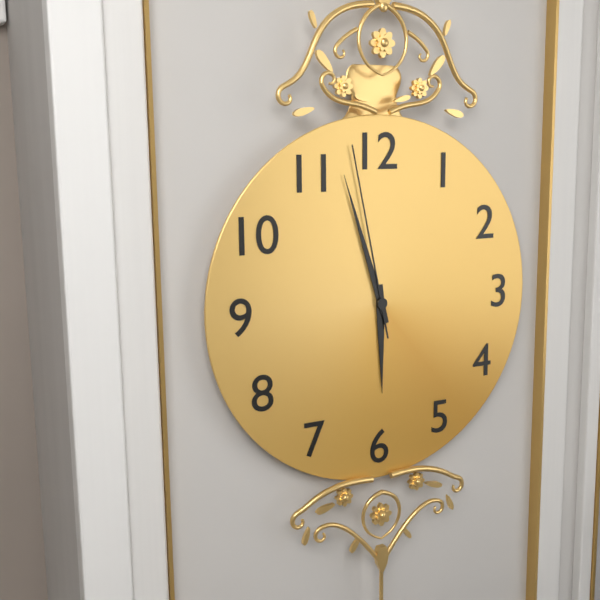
5:57:58
